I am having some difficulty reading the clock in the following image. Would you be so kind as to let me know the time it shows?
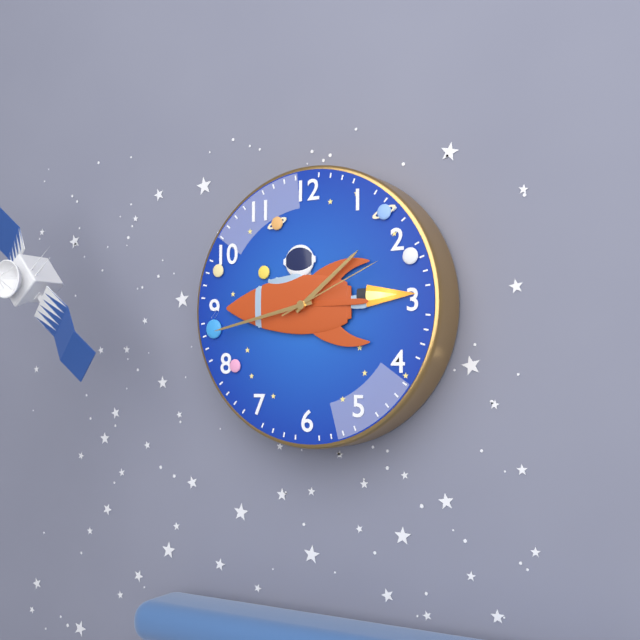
1:43:11
